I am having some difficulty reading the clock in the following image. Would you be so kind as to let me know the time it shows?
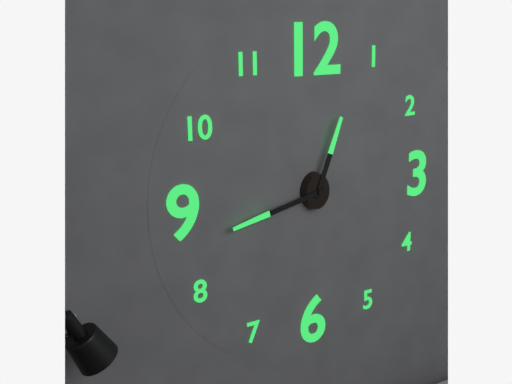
12:43
